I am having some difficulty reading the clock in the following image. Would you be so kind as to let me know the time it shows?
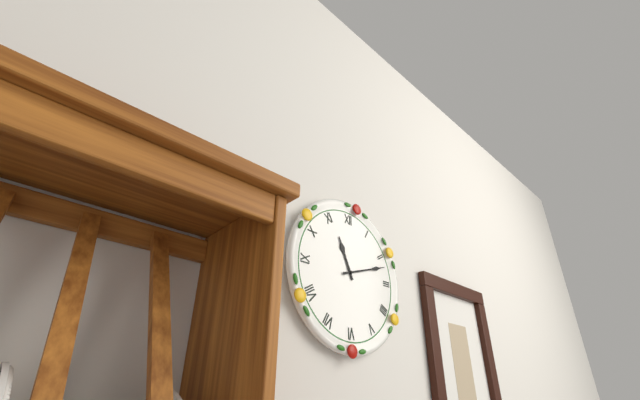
11:12
